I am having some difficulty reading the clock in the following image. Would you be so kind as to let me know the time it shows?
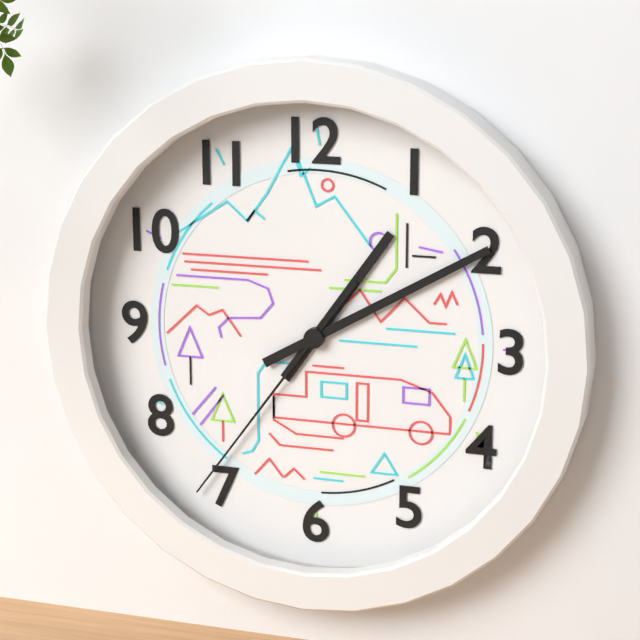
1:10:36
